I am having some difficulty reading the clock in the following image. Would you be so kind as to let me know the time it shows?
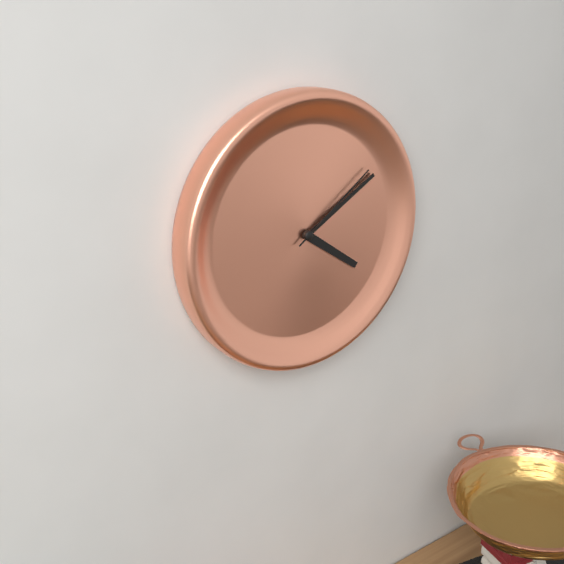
4:10:09
